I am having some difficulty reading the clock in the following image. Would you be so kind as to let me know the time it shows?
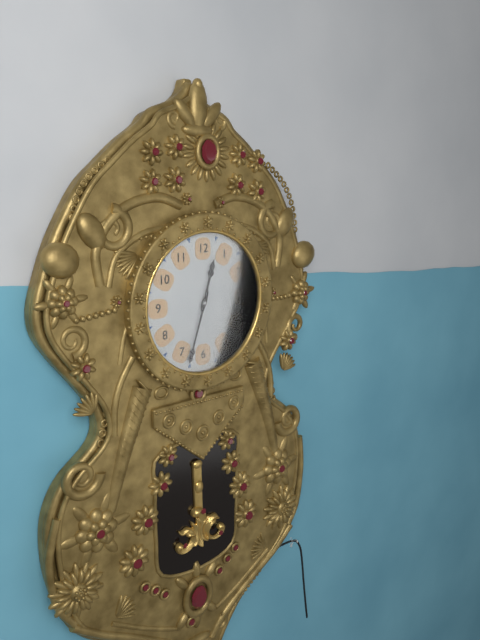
12:33
